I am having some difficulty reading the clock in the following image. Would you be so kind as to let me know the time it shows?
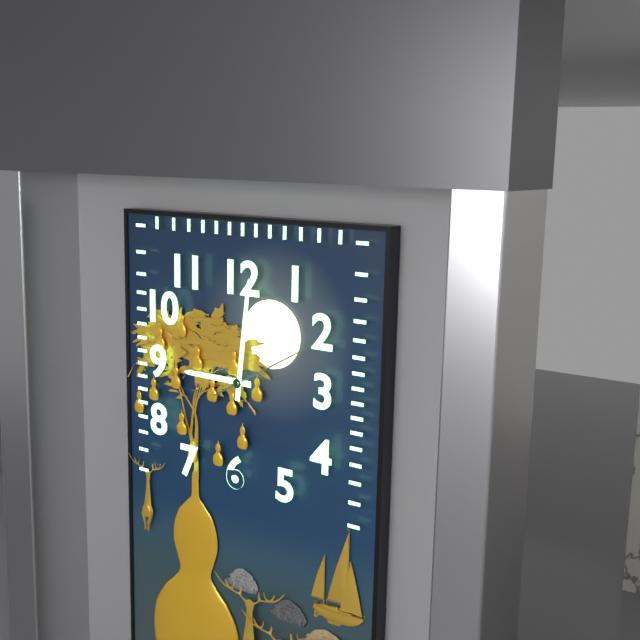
9:01:10
